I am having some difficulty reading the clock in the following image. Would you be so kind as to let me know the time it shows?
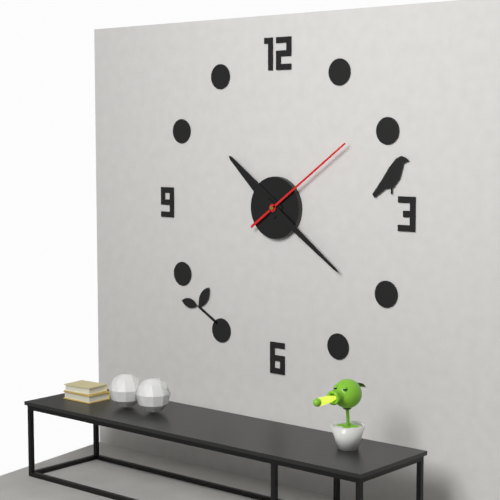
10:21:09
